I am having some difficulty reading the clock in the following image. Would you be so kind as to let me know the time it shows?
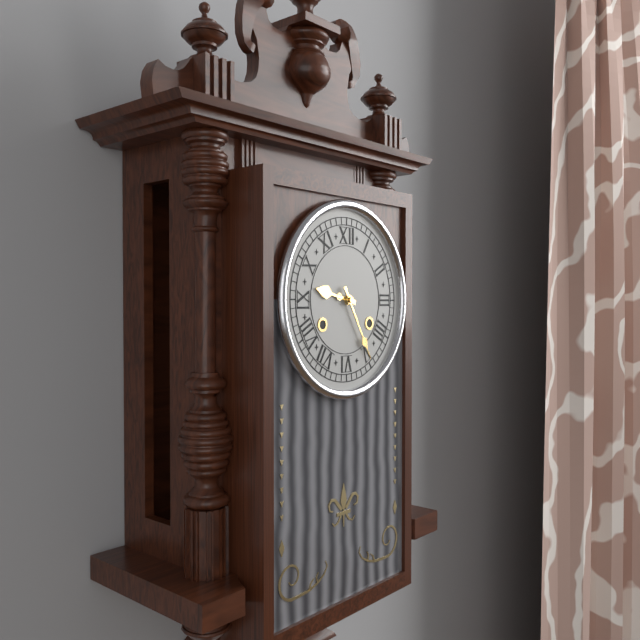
9:25
